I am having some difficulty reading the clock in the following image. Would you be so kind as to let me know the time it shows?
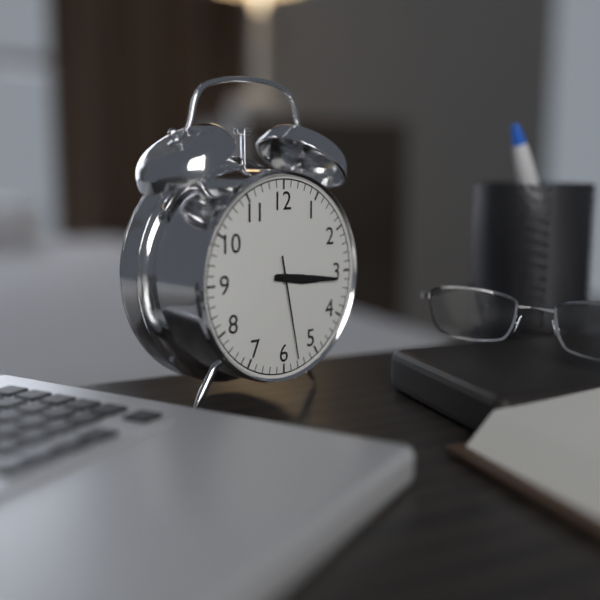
3:16:28
